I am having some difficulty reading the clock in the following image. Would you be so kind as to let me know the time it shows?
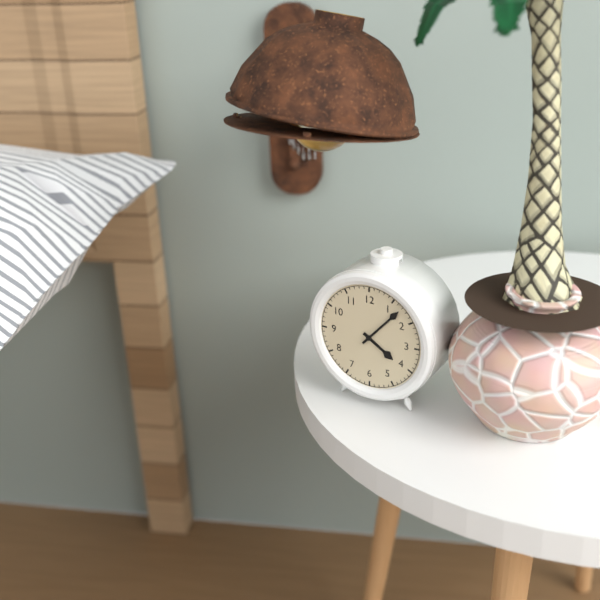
4:07
